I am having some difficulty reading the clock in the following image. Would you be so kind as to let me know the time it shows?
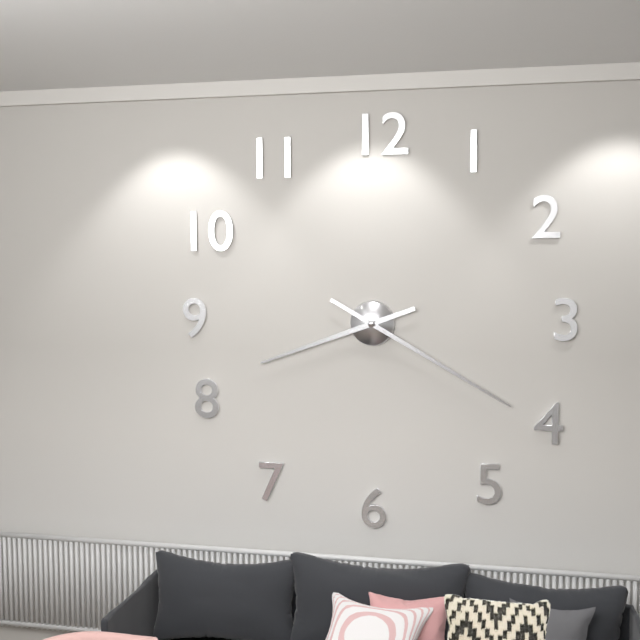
8:20
